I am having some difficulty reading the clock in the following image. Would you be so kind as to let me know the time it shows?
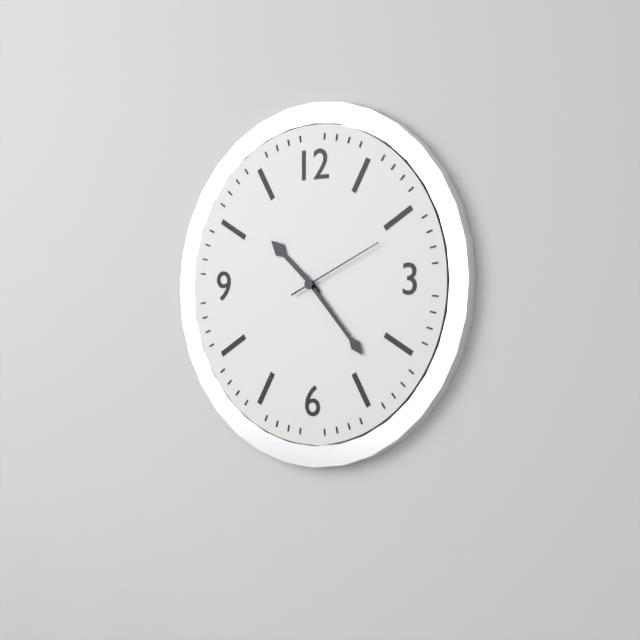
10:23:11
